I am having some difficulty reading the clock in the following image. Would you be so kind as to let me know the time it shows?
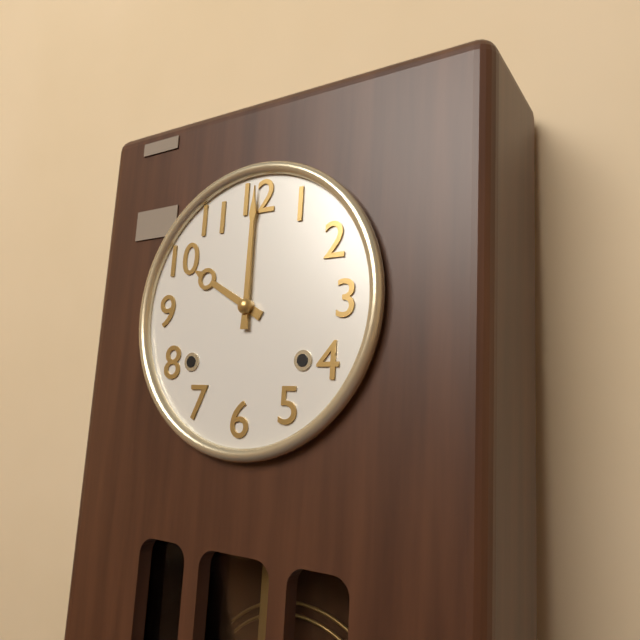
10:00
